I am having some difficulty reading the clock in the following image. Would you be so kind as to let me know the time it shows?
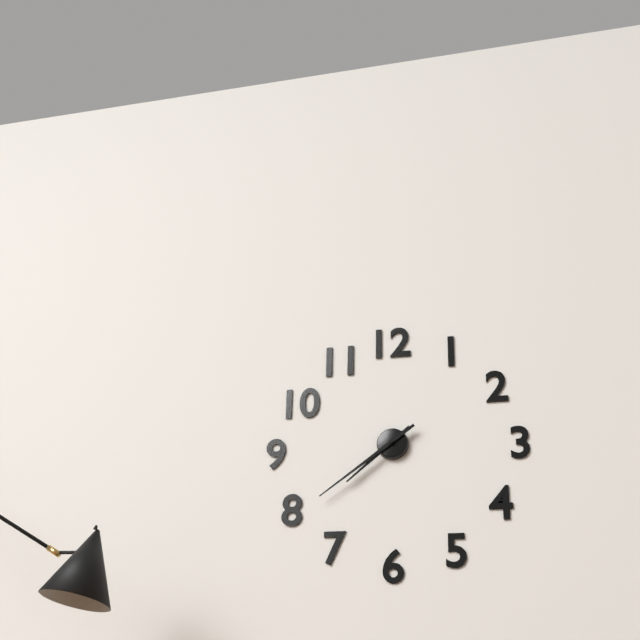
7:39
